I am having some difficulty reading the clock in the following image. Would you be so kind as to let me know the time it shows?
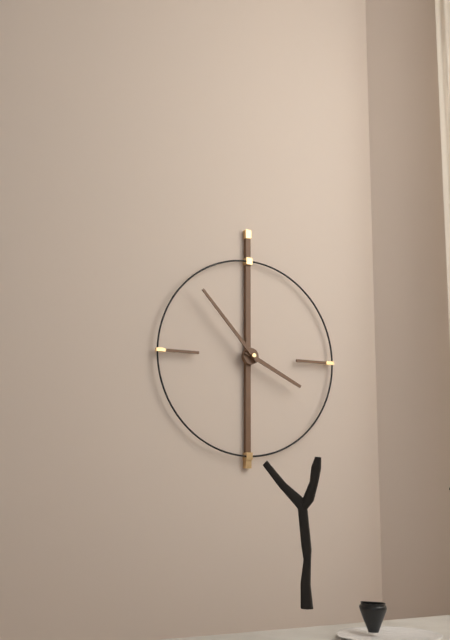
3:53
